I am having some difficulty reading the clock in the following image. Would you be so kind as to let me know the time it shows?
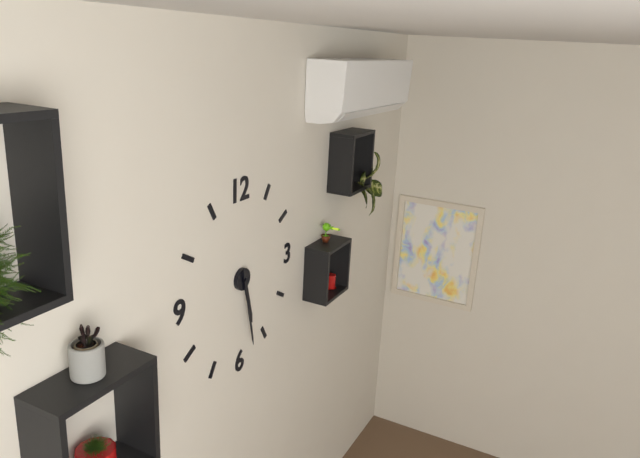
5:28
